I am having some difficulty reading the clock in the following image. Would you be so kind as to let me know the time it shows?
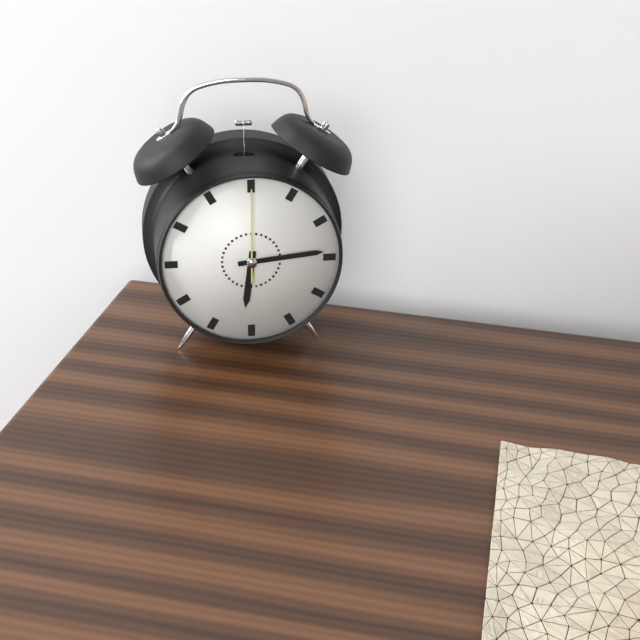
6:14:00
